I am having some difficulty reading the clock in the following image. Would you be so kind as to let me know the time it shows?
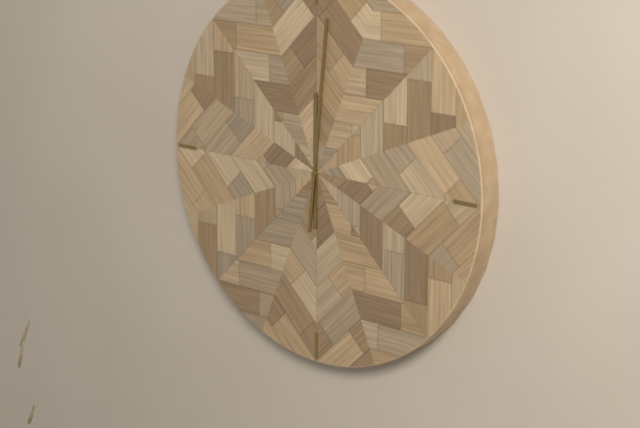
12:01
